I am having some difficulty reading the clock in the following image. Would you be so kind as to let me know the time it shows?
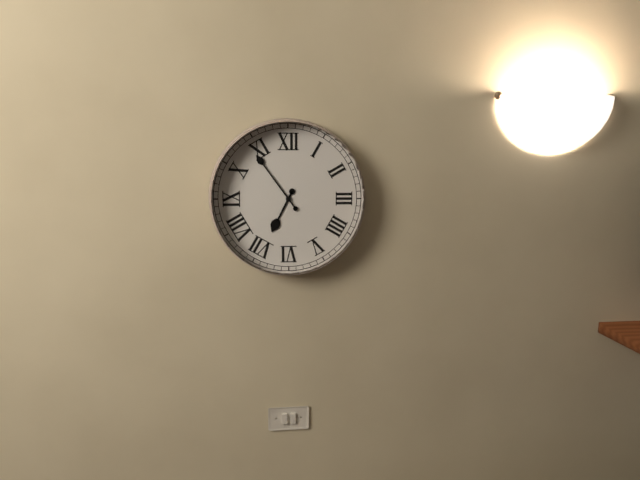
6:54
